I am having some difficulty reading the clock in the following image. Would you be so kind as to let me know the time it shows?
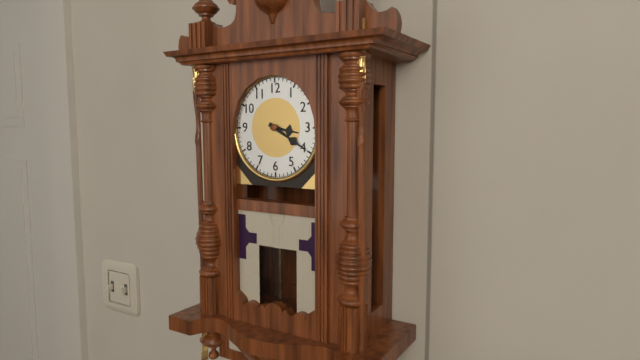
3:20
